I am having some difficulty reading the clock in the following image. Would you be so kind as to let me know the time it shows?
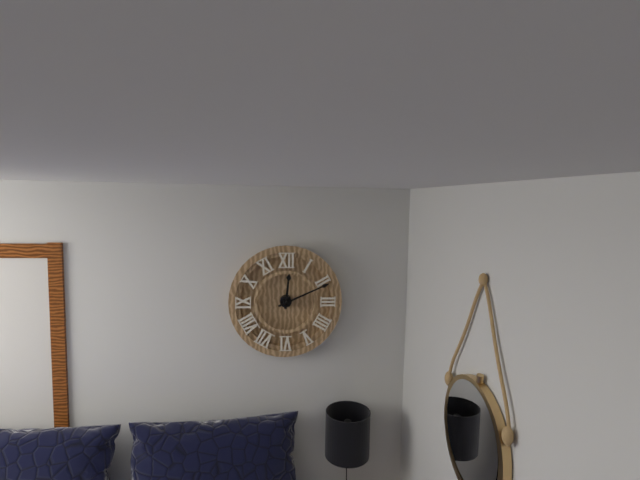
12:11
